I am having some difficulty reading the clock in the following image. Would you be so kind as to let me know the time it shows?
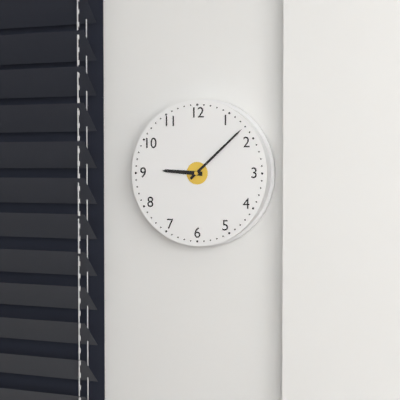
9:08
